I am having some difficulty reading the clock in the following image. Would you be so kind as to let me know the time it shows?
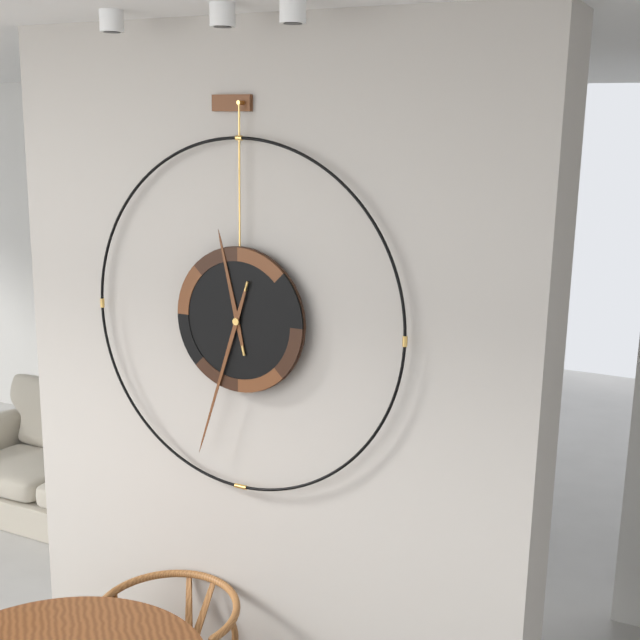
11:33
